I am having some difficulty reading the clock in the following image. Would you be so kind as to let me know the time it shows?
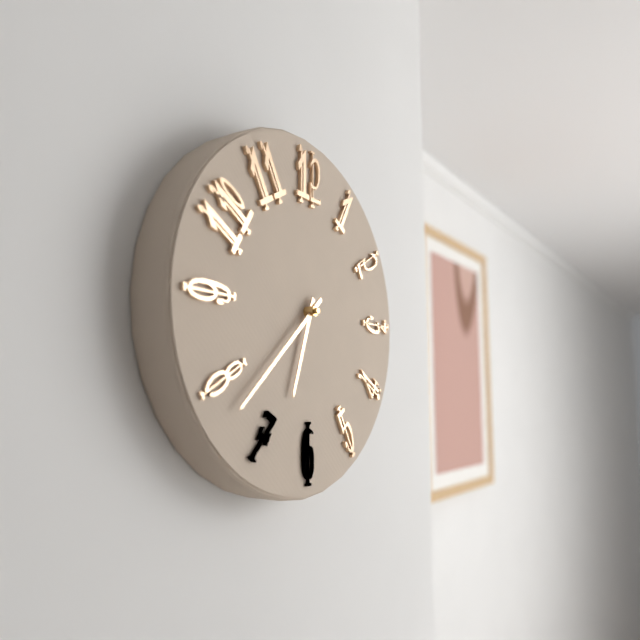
6:38
